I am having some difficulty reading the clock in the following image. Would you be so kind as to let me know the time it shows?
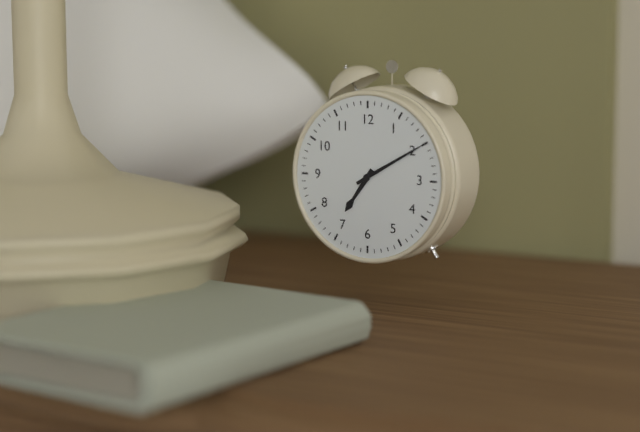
7:10
